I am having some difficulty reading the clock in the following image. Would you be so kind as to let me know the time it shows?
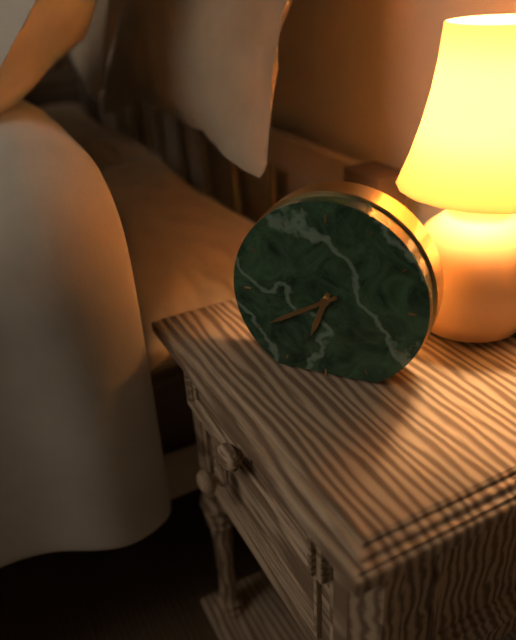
6:40
